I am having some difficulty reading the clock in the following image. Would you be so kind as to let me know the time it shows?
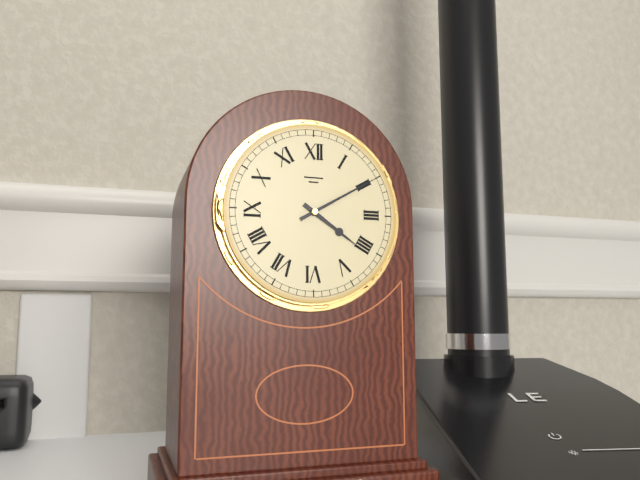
4:10
